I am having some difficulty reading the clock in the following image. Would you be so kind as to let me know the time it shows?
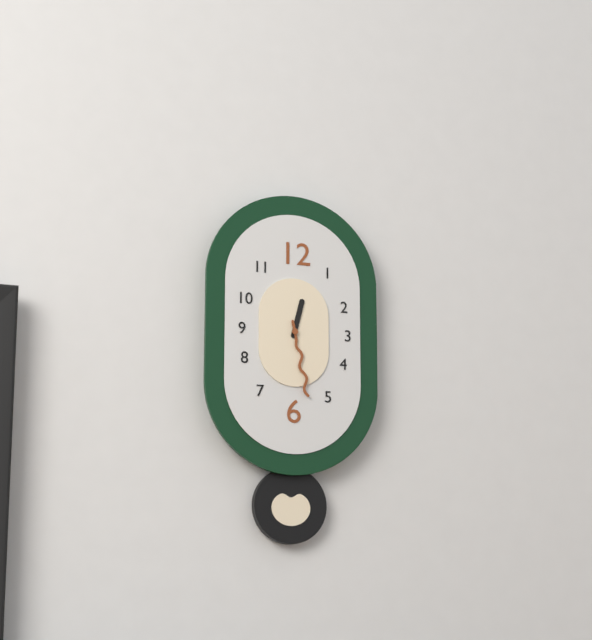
12:28
